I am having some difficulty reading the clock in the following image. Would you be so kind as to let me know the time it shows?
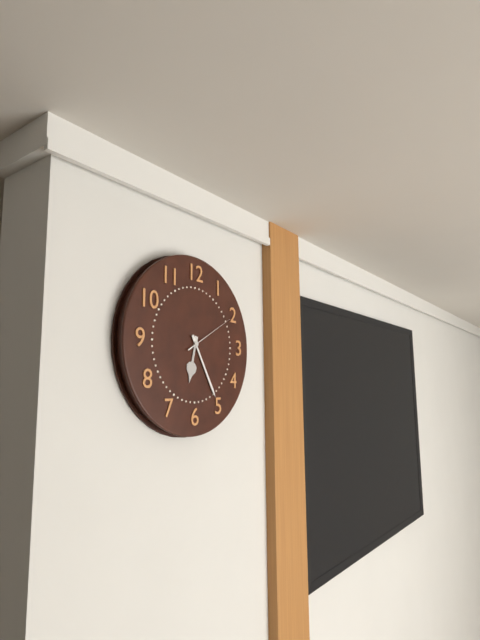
6:25:10
